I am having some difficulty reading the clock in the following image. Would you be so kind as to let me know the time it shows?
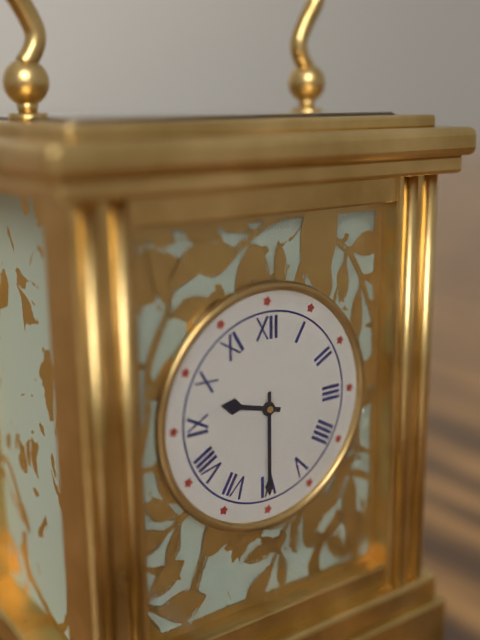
9:30
